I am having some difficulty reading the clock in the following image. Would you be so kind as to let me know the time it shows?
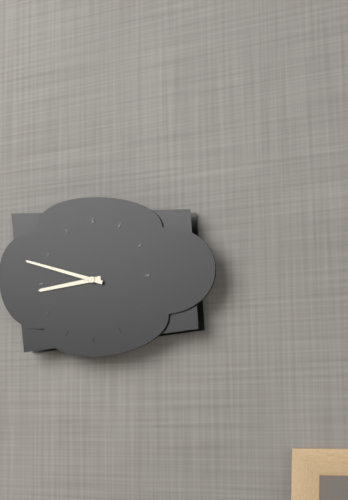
8:48
